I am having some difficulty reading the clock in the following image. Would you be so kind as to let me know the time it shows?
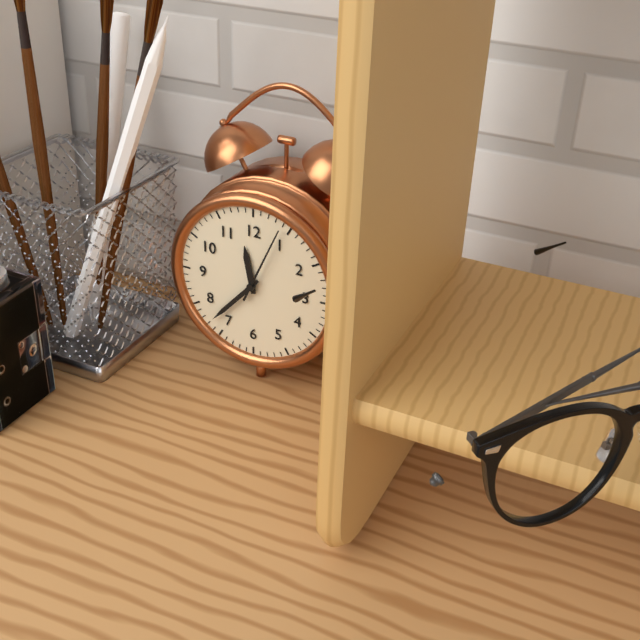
11:37:04
